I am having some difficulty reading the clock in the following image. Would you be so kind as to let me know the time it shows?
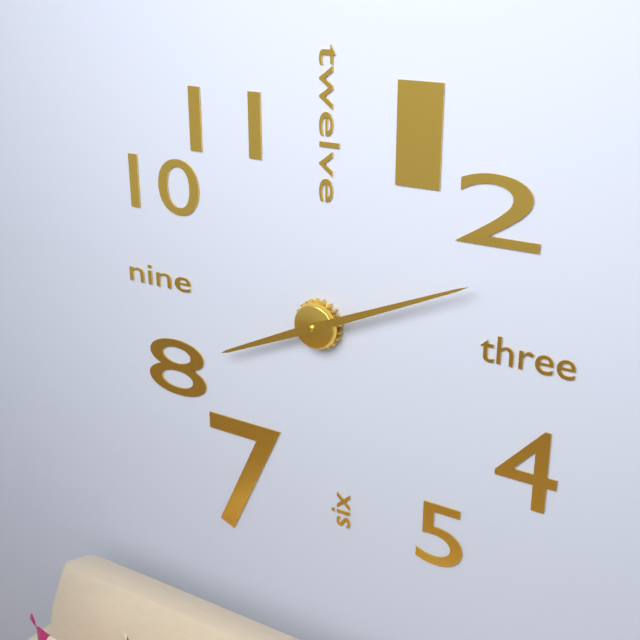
8:11
